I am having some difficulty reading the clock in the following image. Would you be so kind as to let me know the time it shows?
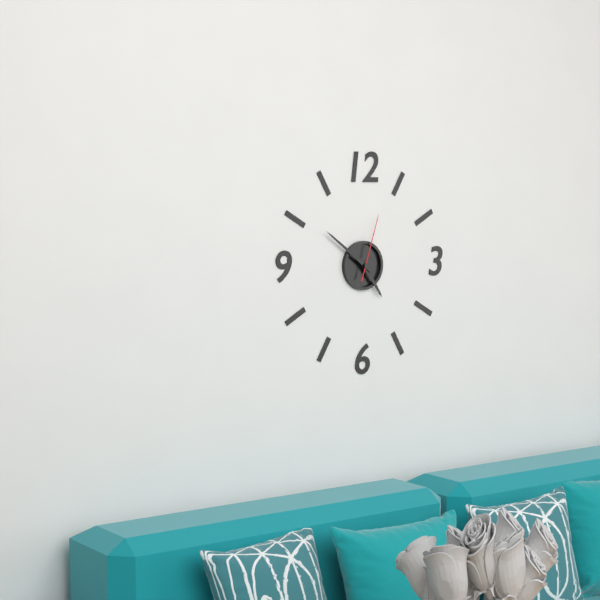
4:51:03
